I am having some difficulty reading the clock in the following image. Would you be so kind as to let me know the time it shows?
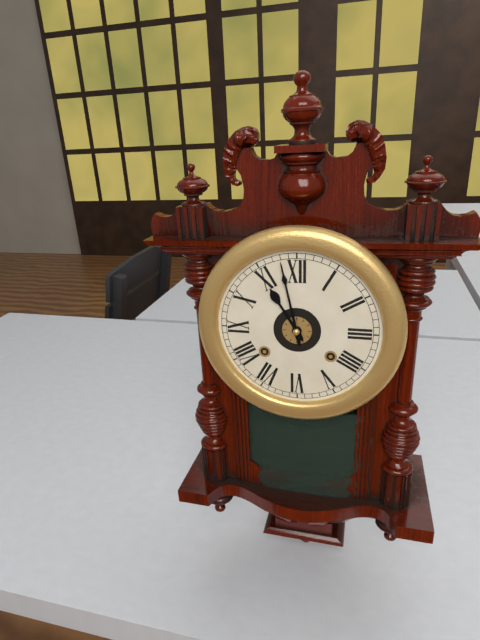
10:58
